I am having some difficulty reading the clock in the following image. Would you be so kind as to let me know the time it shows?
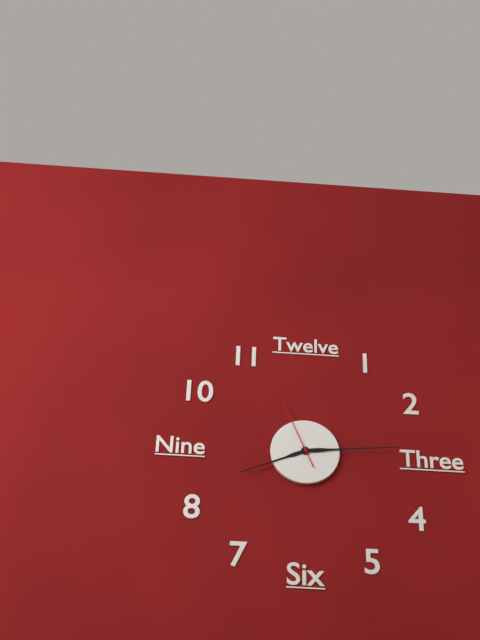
8:14:56
